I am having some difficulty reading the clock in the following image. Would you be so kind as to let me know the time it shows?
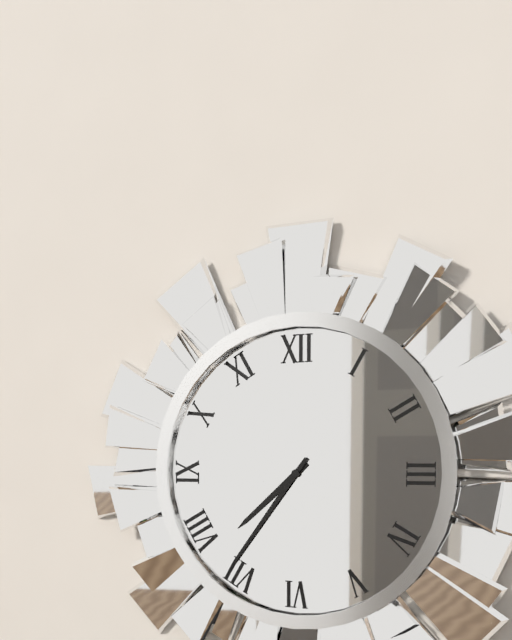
7:36
